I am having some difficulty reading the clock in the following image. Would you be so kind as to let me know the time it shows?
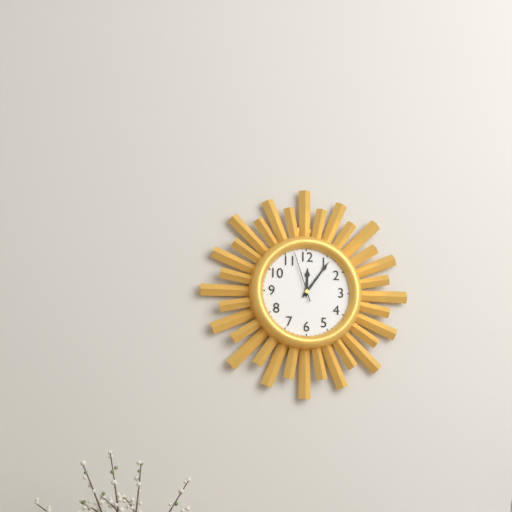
12:06:57
